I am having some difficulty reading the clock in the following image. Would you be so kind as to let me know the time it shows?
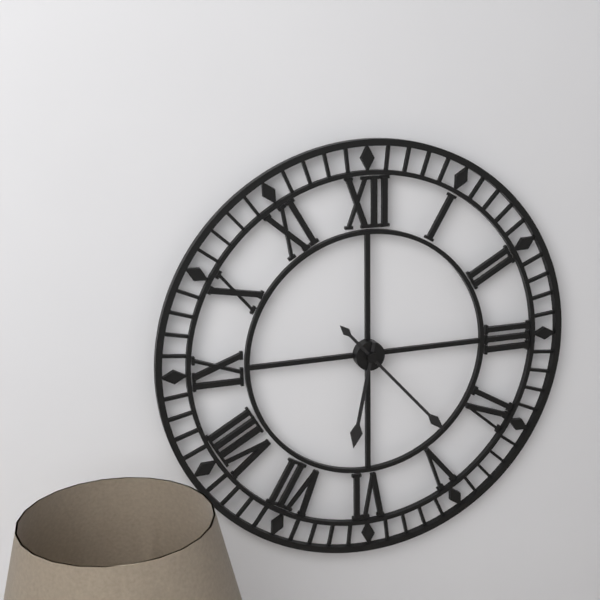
6:23
